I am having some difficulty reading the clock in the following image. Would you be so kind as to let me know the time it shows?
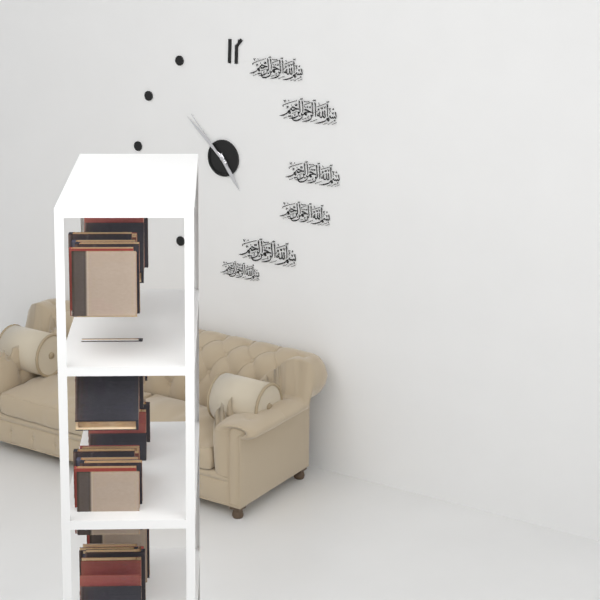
4:52:53
